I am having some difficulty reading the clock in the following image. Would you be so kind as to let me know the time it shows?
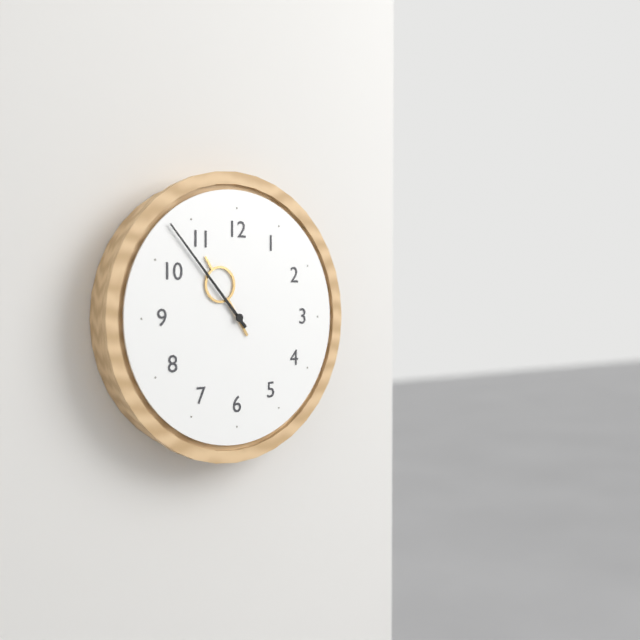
10:53
